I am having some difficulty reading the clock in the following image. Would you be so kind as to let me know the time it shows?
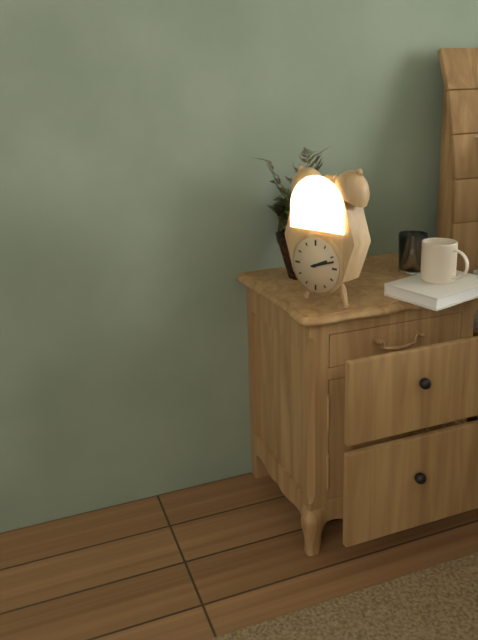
2:12
